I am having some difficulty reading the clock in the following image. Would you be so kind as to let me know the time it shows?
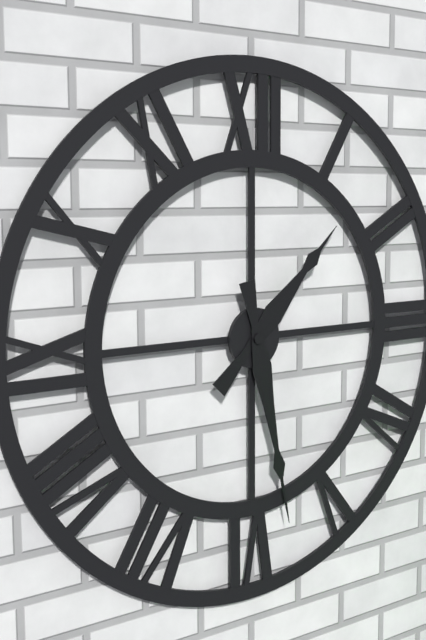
1:28
